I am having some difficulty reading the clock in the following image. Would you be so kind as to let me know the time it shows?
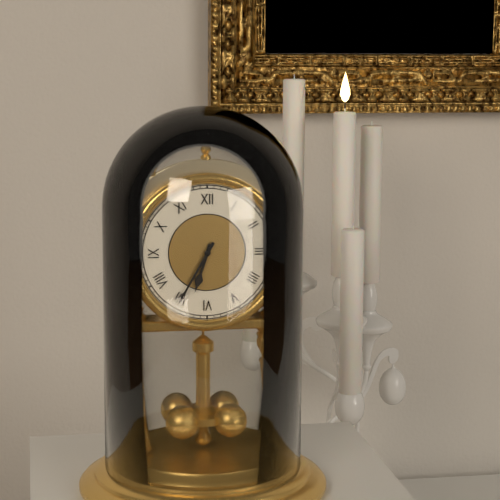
6:35
